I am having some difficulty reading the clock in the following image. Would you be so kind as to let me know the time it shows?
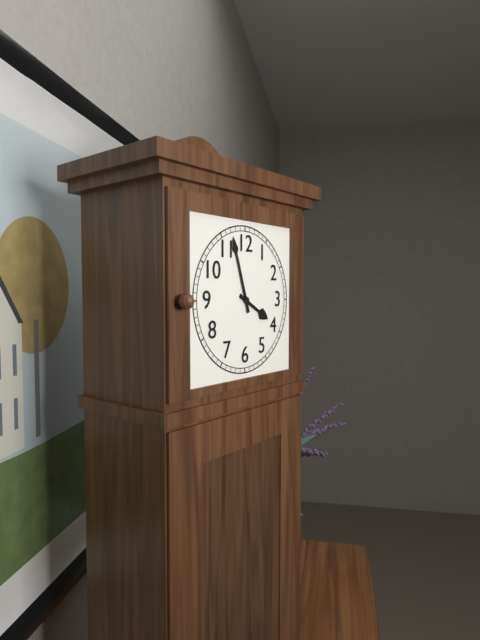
3:57
